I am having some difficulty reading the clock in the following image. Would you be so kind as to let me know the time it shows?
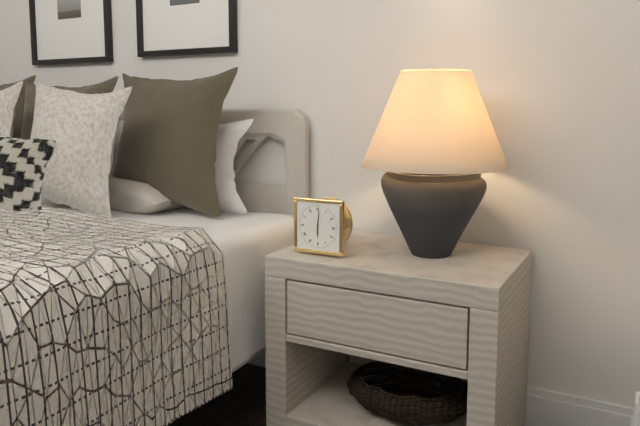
6:01
